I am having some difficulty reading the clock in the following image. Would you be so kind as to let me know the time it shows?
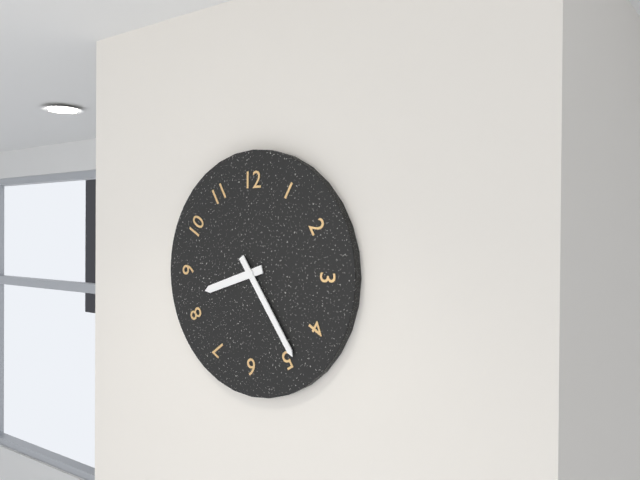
8:24
